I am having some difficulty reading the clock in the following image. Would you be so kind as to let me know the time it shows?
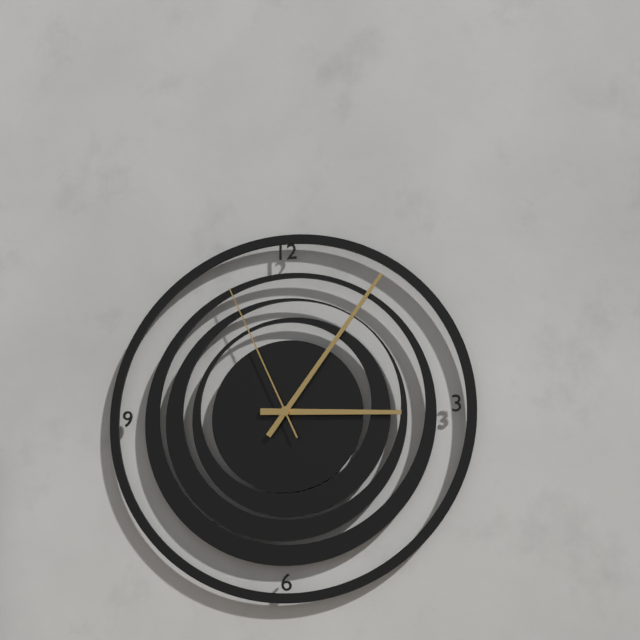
3:06:56
